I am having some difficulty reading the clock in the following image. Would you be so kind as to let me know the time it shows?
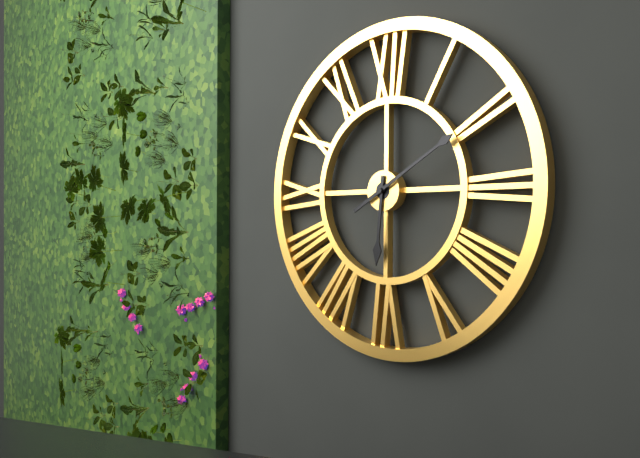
6:10
